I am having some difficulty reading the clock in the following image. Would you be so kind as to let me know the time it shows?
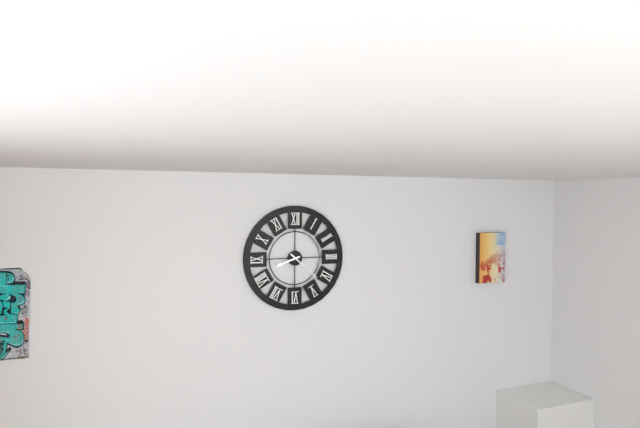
8:22
